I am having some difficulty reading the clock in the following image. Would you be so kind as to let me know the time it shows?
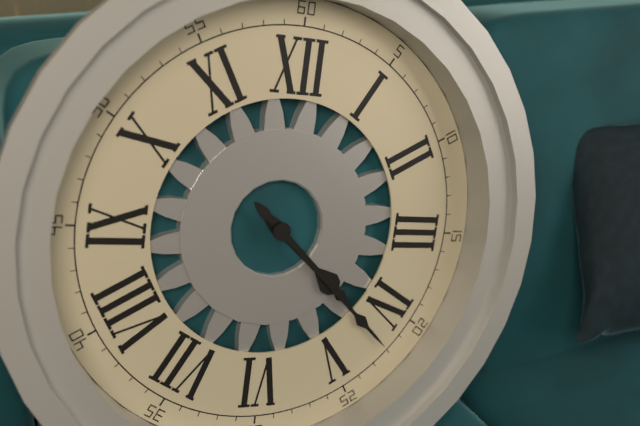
4:22
